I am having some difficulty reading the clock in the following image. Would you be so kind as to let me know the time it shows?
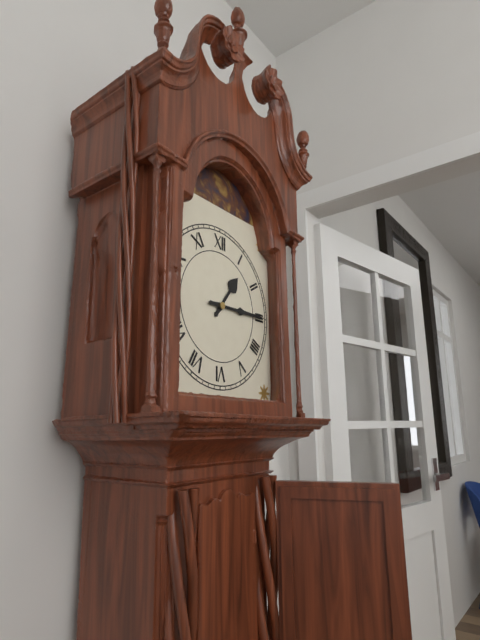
1:15
